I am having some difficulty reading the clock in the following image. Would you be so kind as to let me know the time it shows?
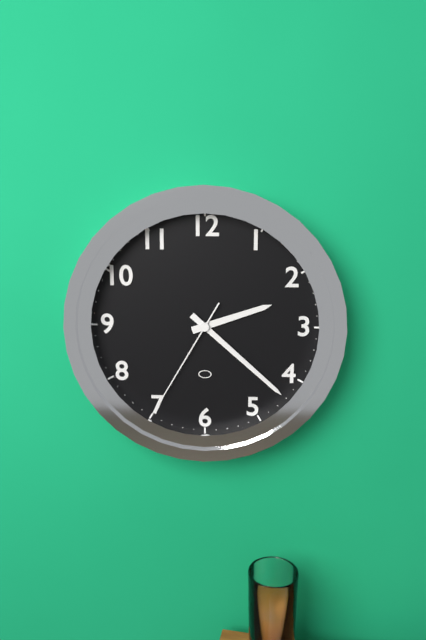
2:22:35
